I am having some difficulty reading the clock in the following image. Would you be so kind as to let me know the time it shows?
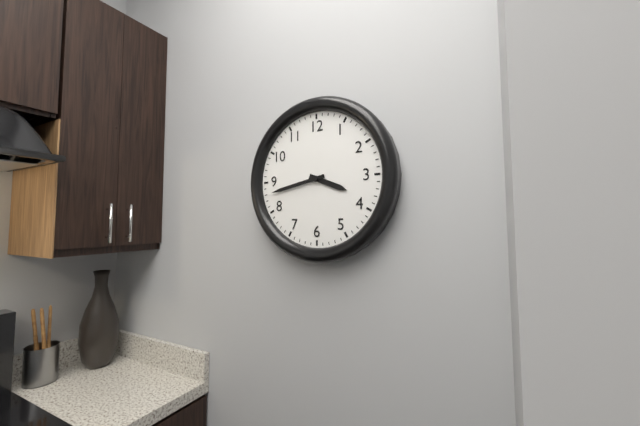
3:43
